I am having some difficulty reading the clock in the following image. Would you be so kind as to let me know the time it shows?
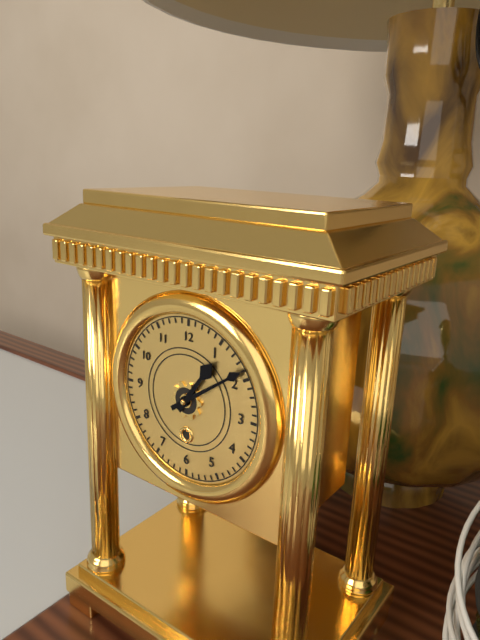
1:09
